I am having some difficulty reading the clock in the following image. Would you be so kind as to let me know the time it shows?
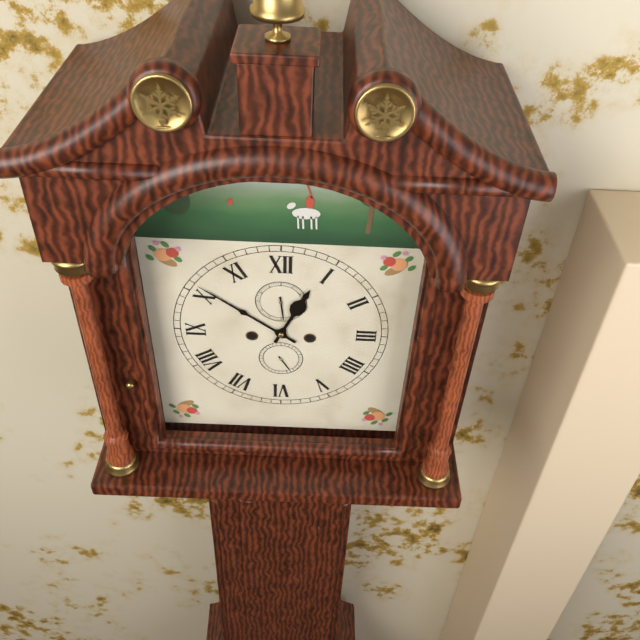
12:51
